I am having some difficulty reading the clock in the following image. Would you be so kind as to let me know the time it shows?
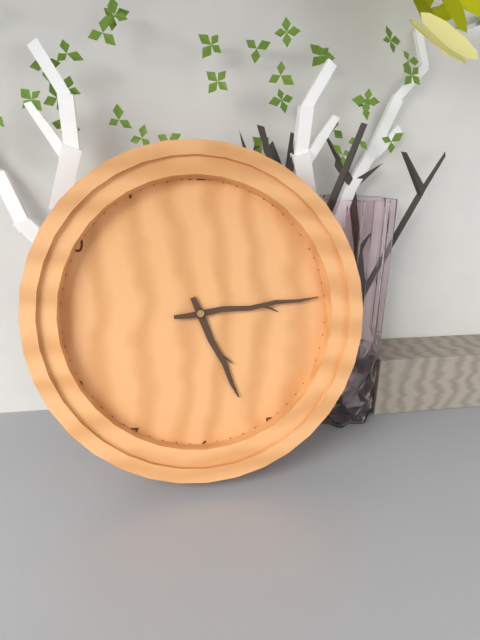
5:14
